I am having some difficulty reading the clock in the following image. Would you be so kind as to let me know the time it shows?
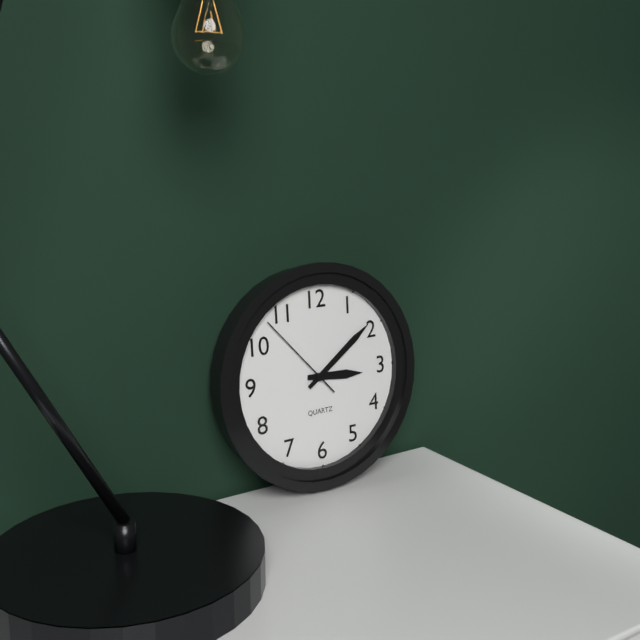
3:09:53
